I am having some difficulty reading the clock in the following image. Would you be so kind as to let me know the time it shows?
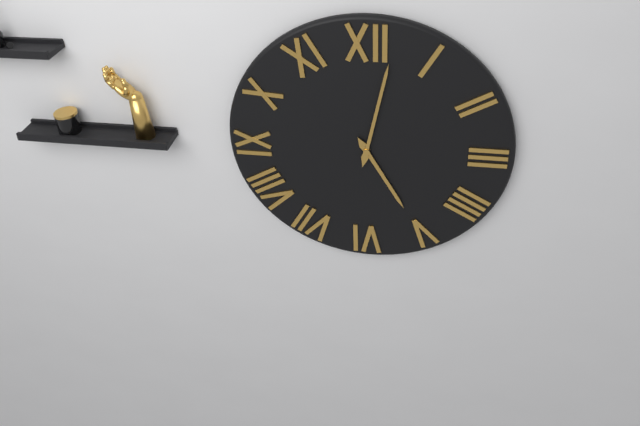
5:02
